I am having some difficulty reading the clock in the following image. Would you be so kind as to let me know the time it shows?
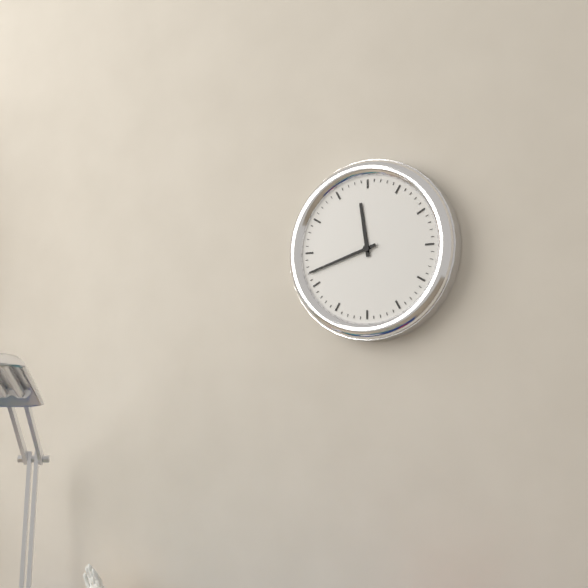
11:42
